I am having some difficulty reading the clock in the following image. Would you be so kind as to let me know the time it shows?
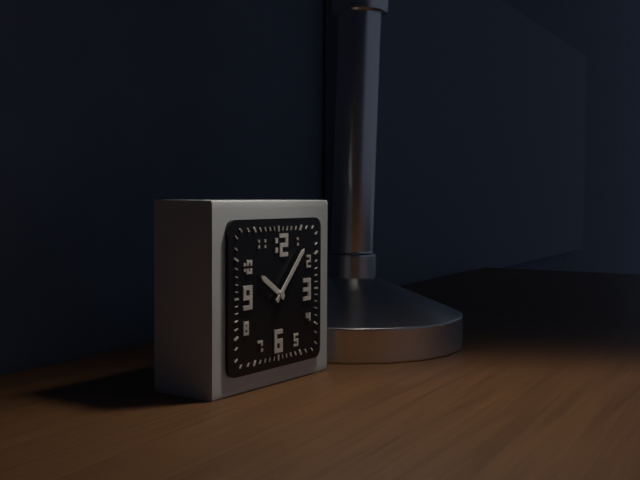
10:07
